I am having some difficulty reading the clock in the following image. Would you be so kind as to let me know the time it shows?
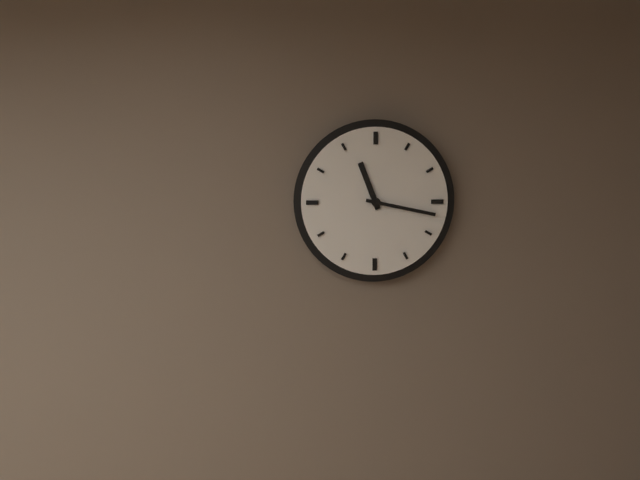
11:17
